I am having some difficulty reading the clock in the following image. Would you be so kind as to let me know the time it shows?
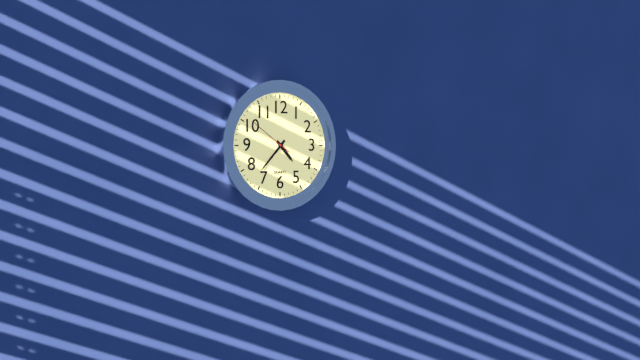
4:37
